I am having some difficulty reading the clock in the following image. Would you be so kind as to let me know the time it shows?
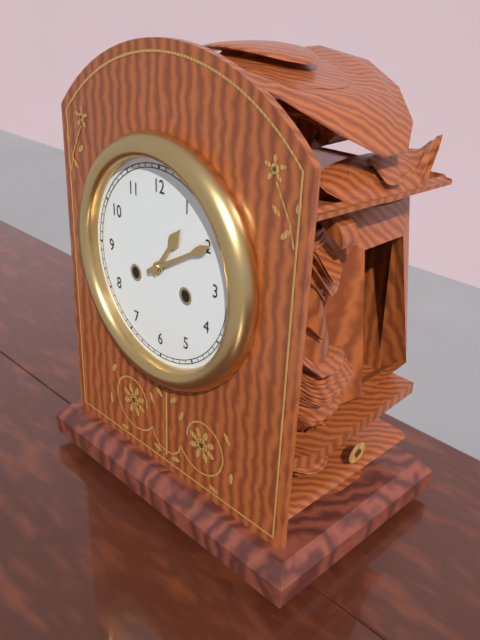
1:10
